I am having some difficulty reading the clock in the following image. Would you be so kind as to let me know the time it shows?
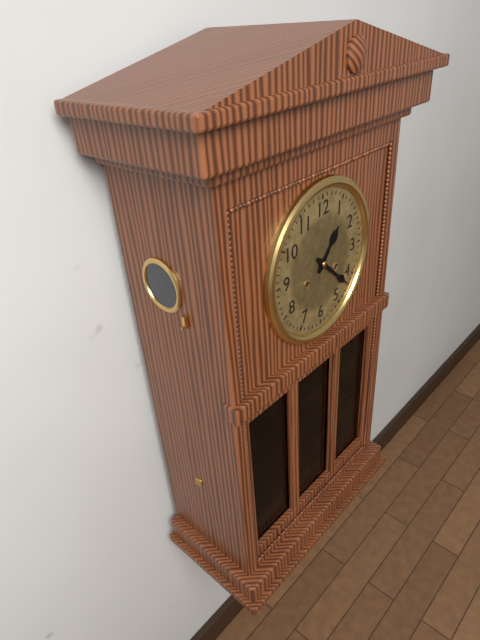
1:22
